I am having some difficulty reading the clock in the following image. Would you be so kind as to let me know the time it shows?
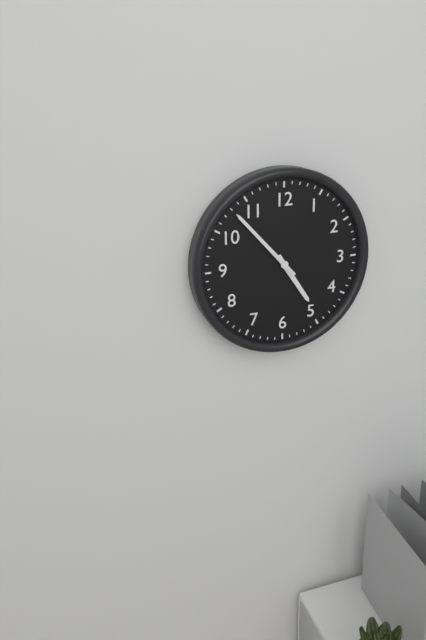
4:53
